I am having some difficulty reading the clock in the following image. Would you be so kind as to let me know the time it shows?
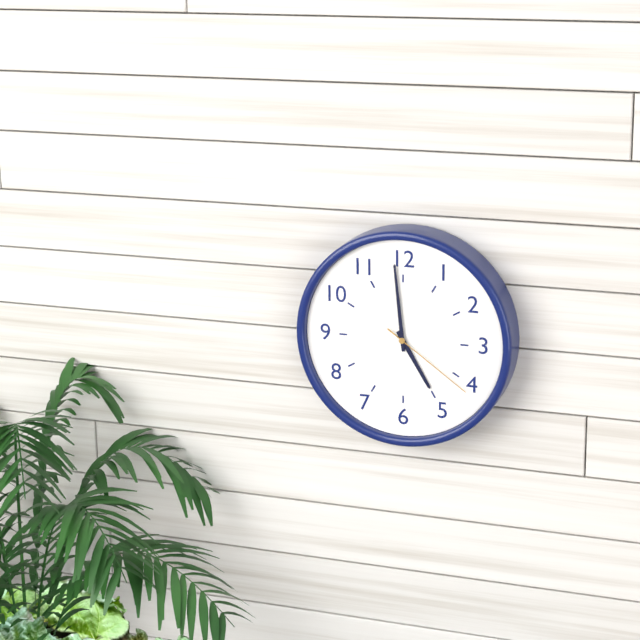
4:59:21
